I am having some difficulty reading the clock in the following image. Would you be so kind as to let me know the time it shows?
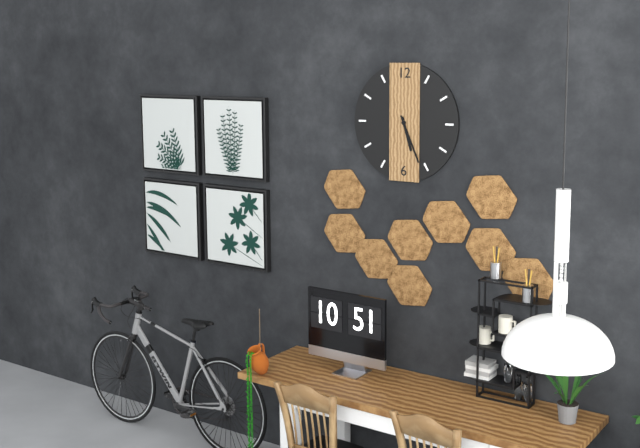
5:26
